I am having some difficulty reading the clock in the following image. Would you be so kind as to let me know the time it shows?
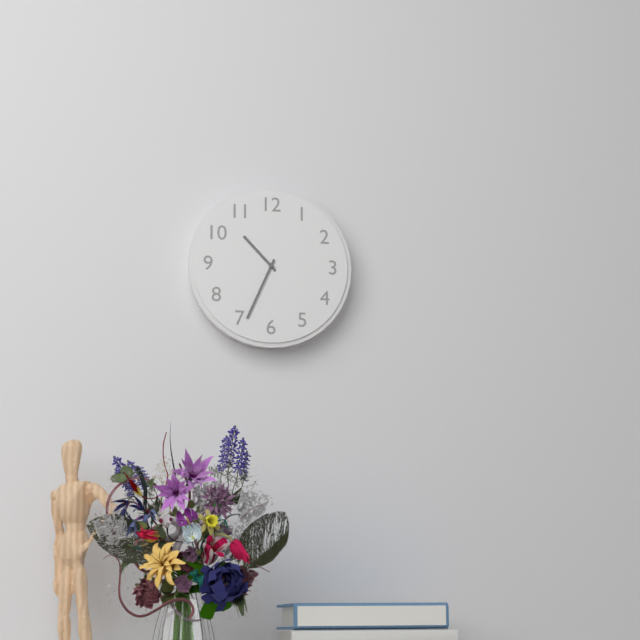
10:34
